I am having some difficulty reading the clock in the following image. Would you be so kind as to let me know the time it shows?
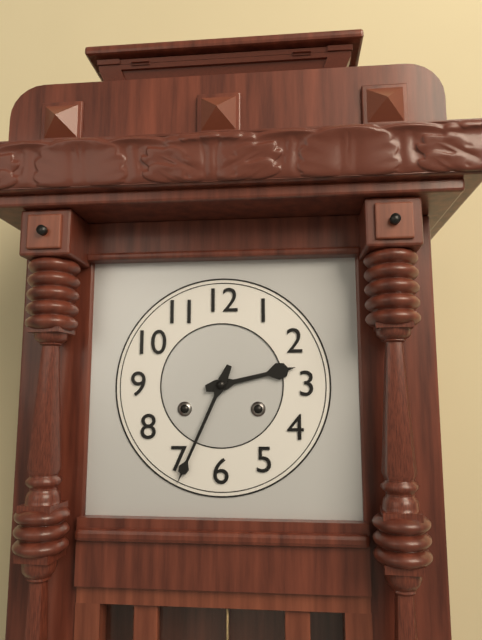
2:34
